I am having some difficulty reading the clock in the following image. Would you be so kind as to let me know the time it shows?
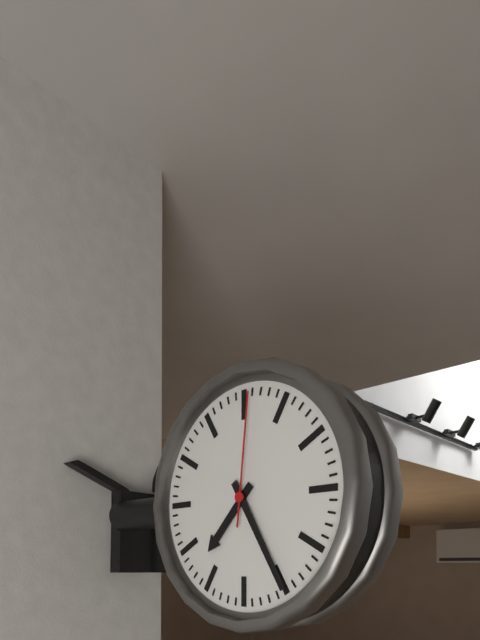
7:25:01
